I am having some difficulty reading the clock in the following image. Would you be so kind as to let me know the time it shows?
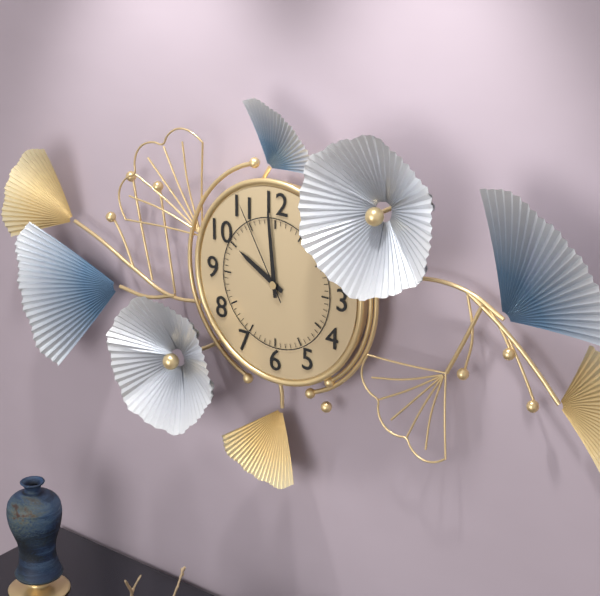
9:59:55
